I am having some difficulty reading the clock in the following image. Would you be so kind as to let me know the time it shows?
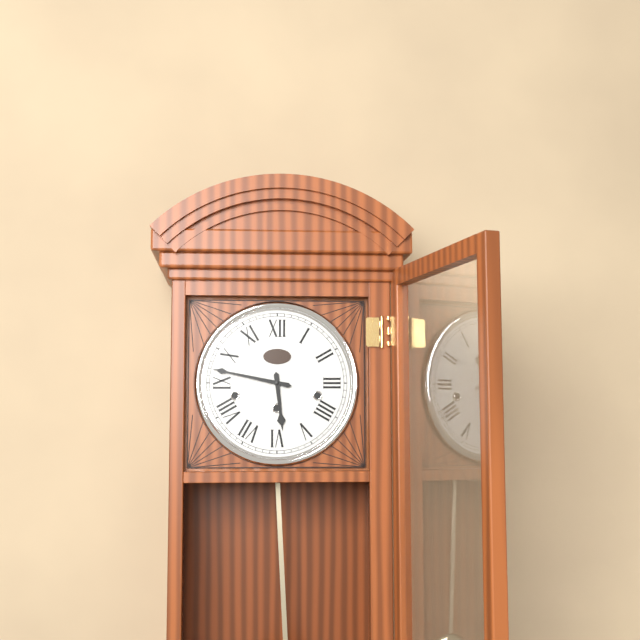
5:47
